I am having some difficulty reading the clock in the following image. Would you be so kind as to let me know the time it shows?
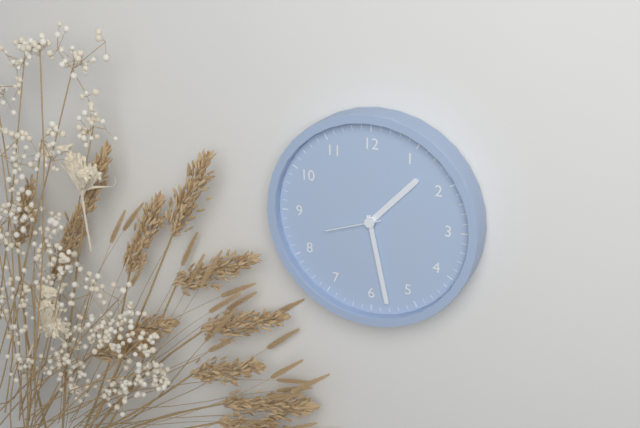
1:28:42
